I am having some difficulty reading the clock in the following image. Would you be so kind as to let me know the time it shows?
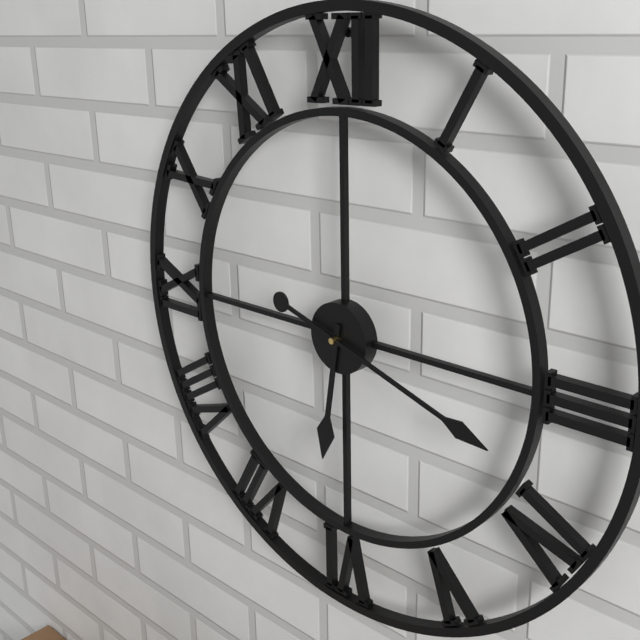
6:18
